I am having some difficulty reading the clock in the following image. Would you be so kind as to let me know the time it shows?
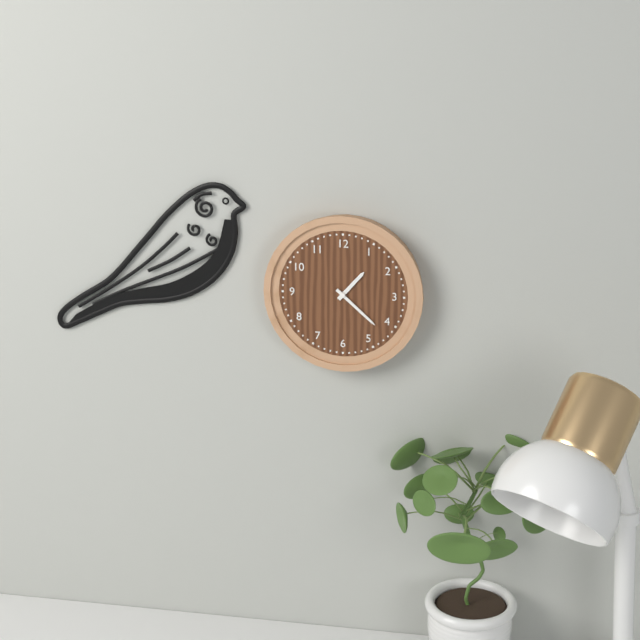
1:22
